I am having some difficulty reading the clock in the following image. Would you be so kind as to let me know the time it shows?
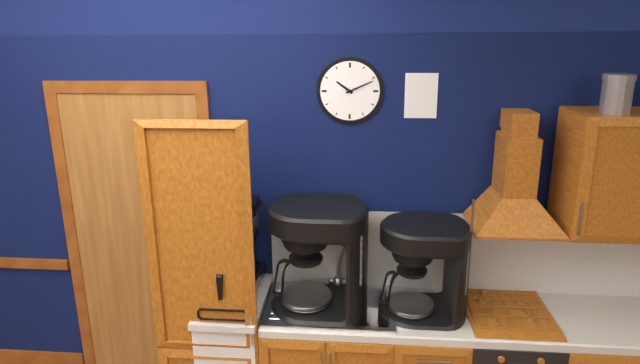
10:11
